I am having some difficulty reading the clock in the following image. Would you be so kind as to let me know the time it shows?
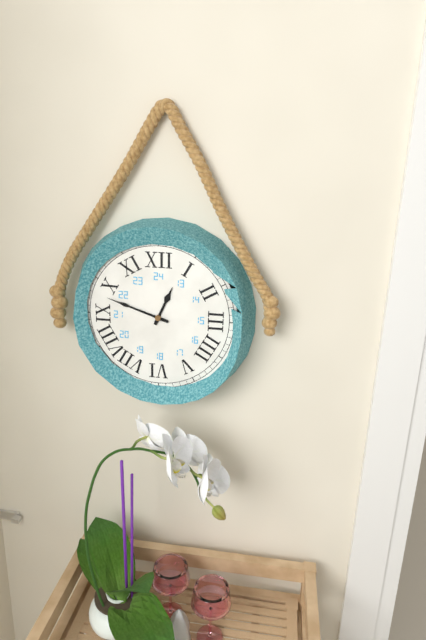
12:48
